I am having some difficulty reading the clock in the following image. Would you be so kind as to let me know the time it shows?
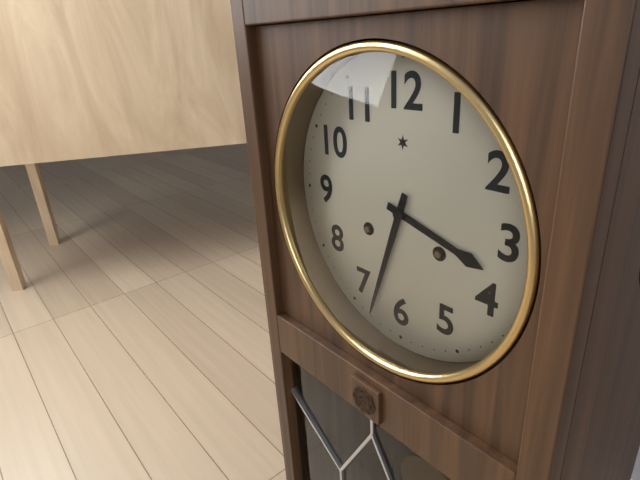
3:33
